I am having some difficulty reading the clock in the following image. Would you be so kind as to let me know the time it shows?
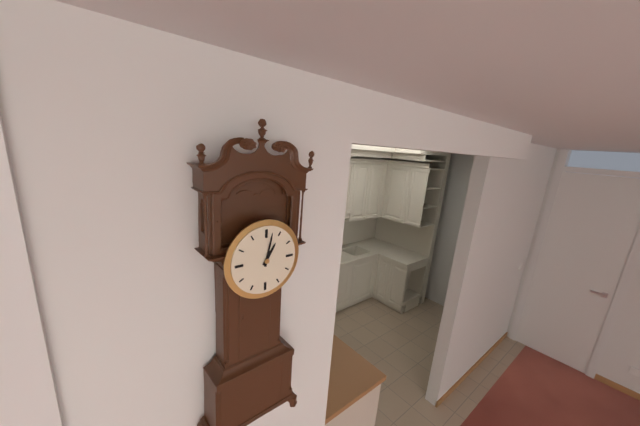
1:02
